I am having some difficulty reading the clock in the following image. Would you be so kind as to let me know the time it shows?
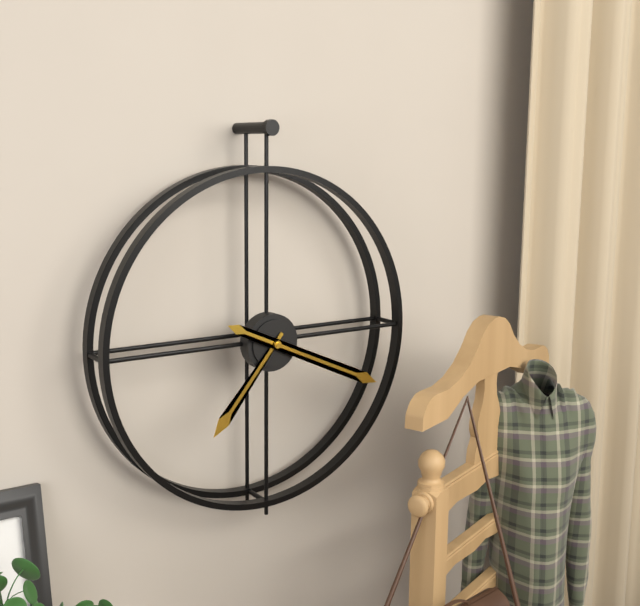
7:19
